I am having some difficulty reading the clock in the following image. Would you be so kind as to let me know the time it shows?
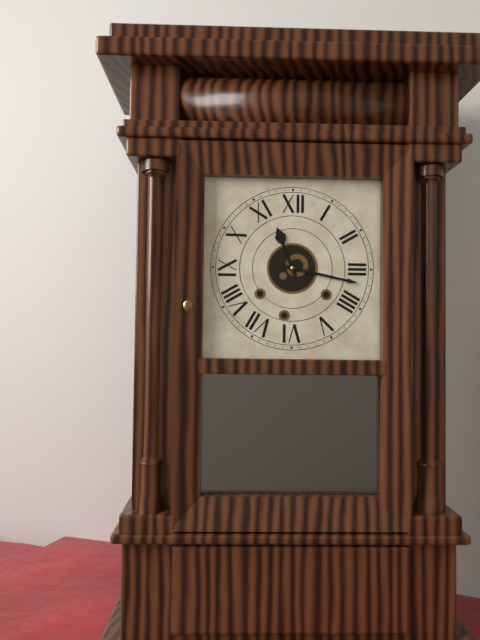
11:17
